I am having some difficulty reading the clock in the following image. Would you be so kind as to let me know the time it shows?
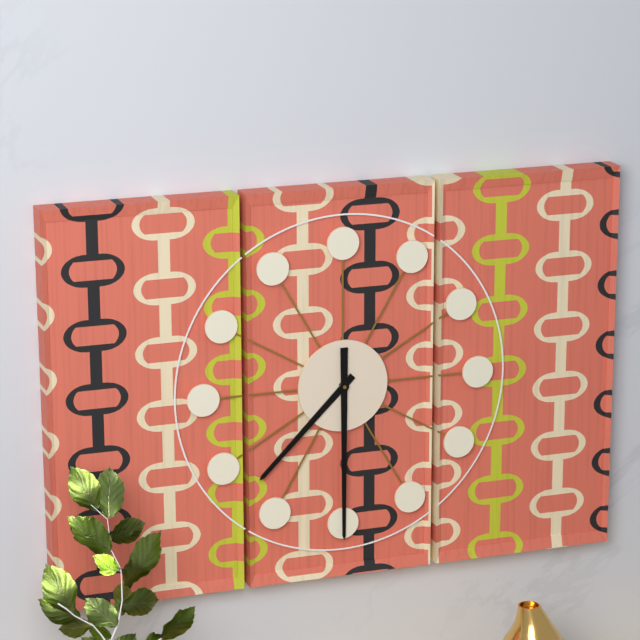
7:30
